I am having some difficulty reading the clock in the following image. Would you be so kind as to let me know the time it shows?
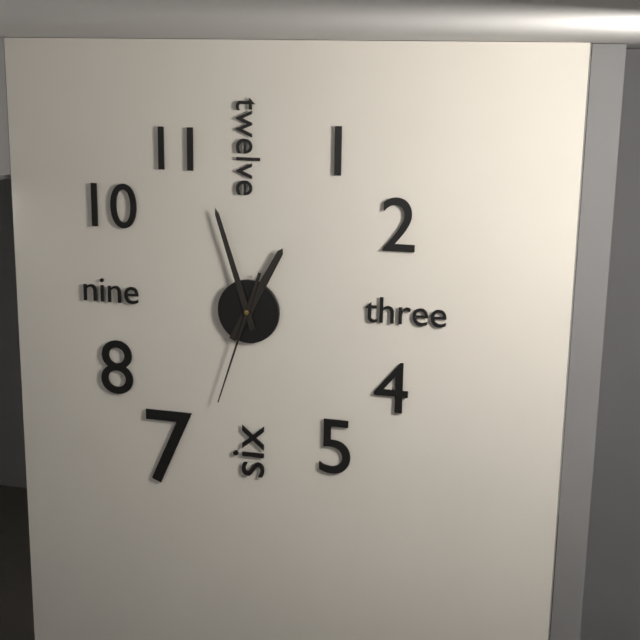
12:57:33
